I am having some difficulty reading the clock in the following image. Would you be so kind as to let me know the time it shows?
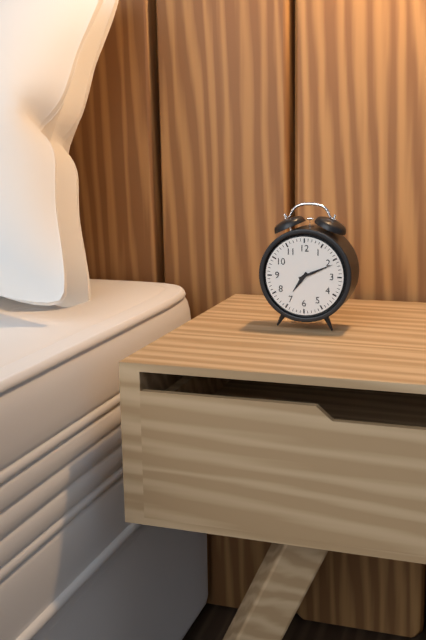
7:11
